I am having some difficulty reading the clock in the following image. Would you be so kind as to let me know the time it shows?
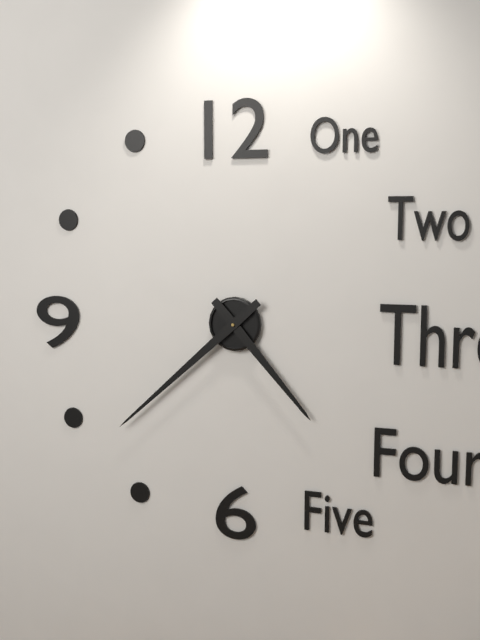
4:38
